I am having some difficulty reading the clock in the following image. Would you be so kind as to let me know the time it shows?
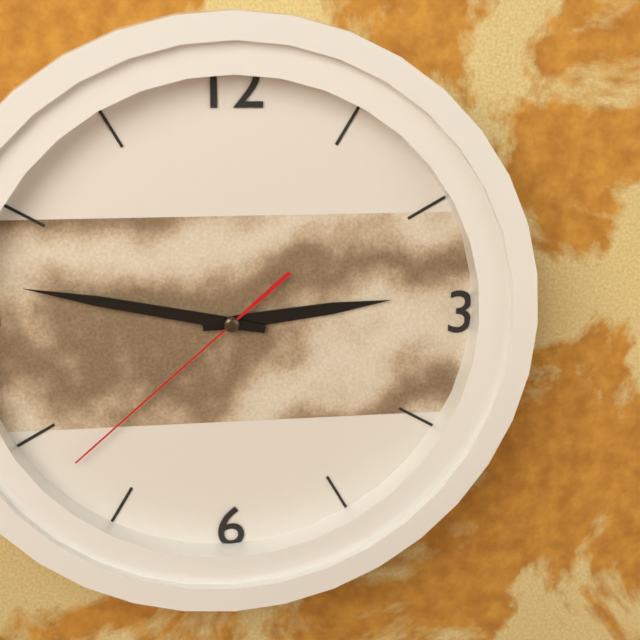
2:47:38
